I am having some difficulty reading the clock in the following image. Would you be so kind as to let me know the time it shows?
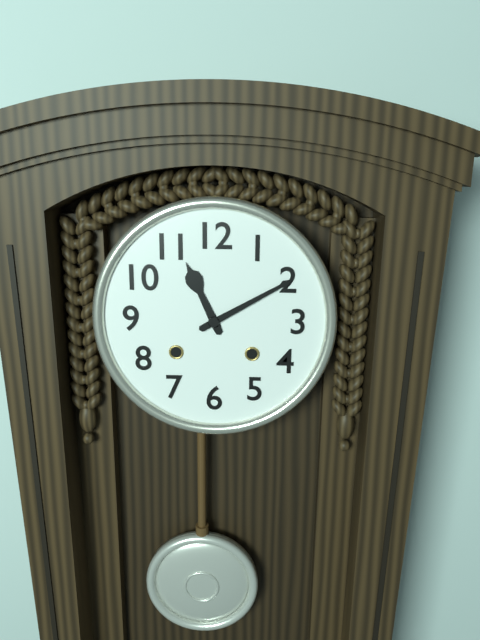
11:10
